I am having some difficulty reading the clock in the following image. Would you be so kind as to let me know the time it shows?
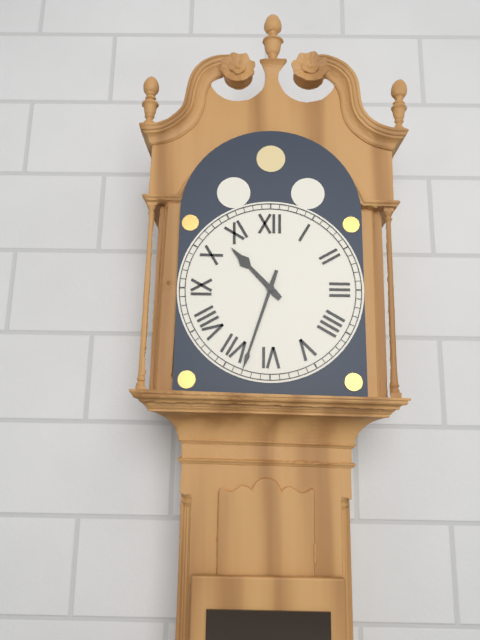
10:33
